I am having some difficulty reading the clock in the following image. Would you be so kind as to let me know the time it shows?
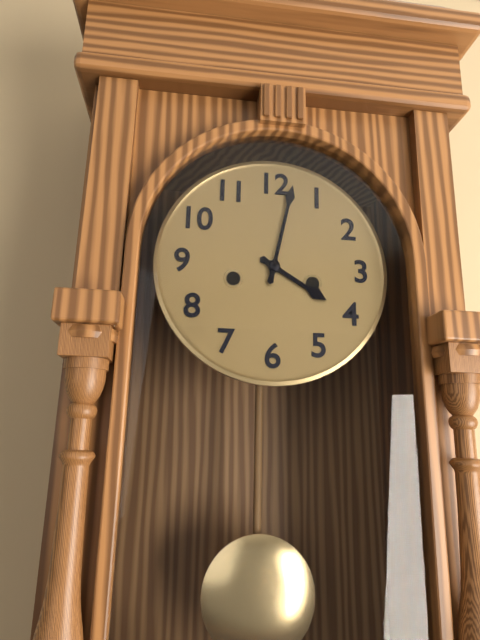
4:02
